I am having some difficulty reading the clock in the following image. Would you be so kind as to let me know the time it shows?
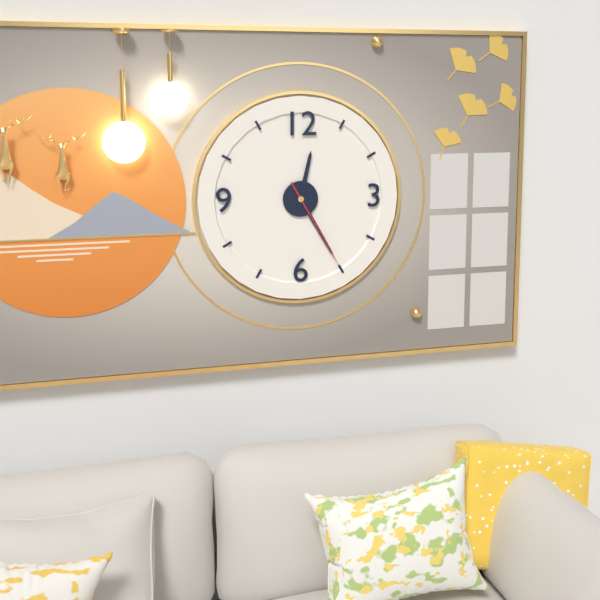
12:25:25
